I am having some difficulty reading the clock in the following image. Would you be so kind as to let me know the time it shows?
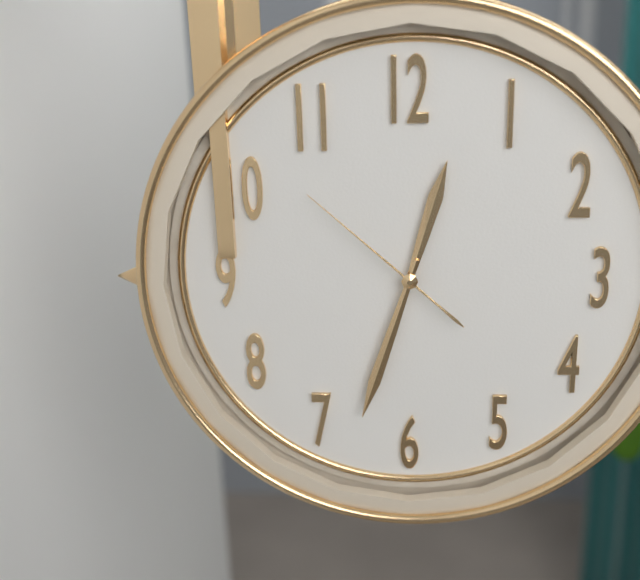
12:33:52
